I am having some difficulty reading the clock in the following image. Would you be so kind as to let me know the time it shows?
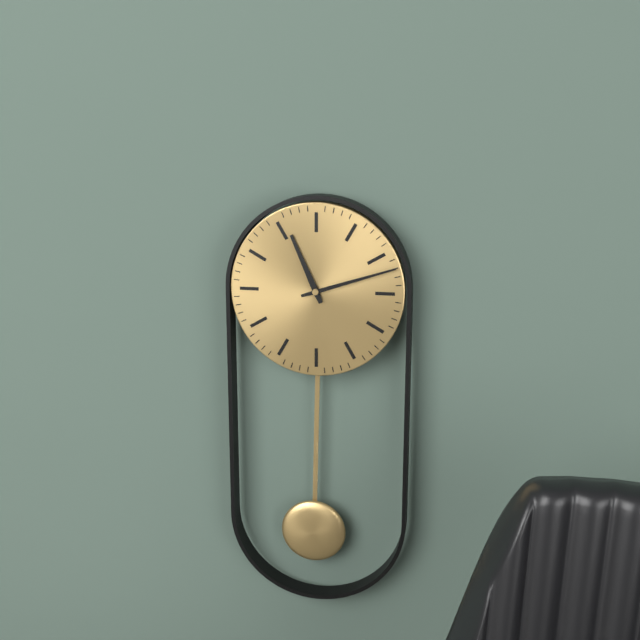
11:12
